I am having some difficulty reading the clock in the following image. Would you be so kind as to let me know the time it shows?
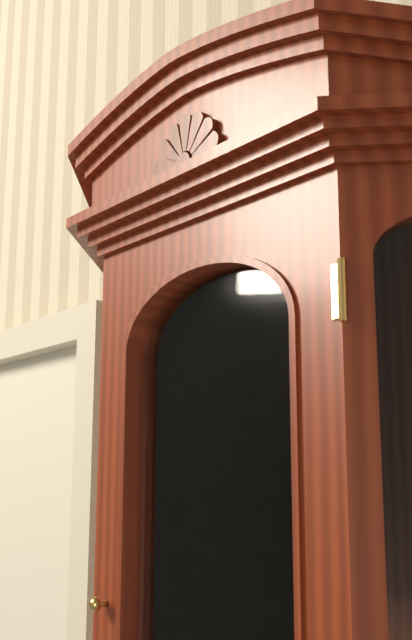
9:27
